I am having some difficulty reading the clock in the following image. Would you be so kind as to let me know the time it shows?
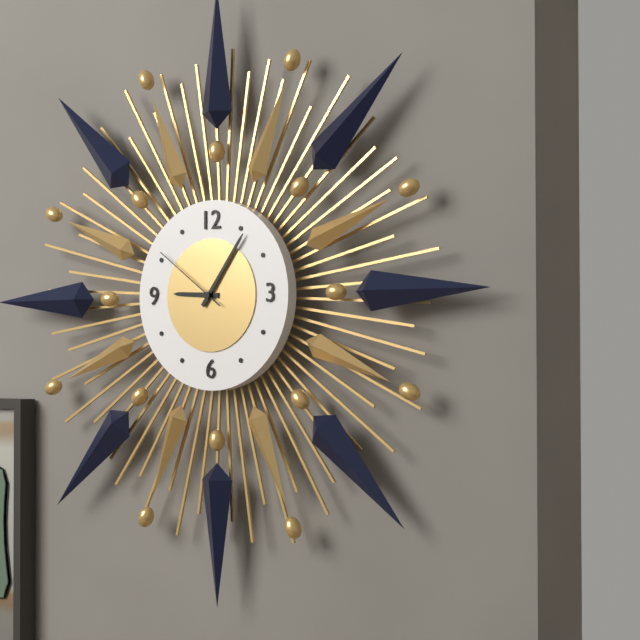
9:06:51
